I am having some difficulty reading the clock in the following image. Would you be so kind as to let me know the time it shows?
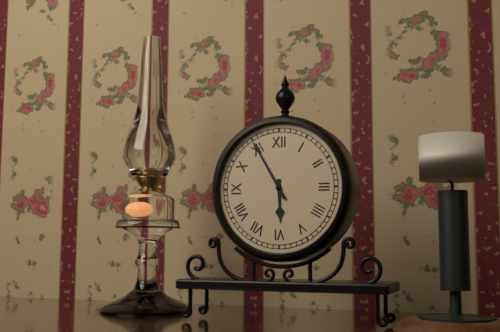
5:55
